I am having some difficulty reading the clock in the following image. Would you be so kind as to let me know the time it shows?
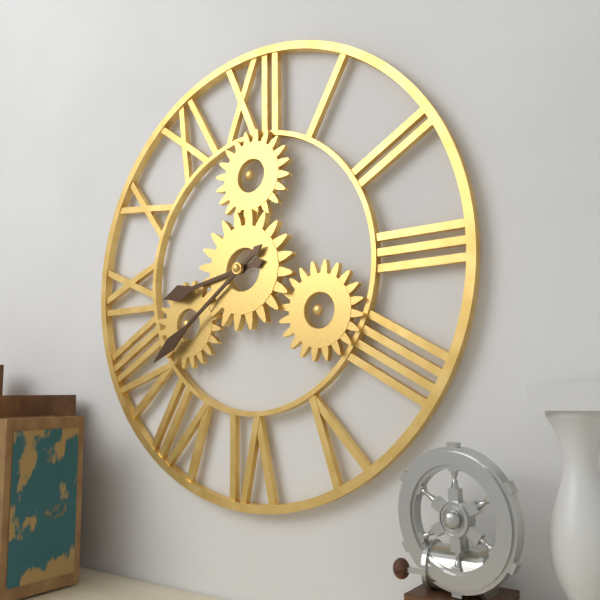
8:39
